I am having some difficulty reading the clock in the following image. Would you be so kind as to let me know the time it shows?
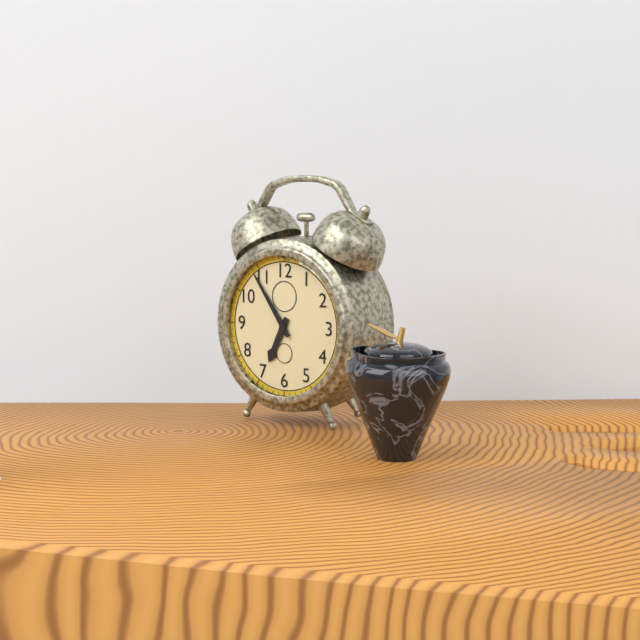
6:54
